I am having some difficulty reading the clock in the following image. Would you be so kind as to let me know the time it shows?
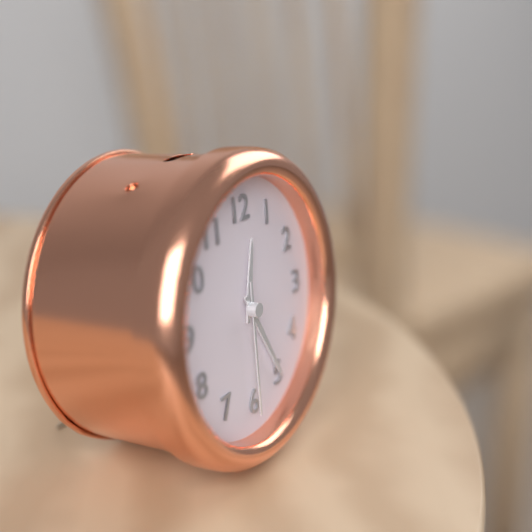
12:25:30
